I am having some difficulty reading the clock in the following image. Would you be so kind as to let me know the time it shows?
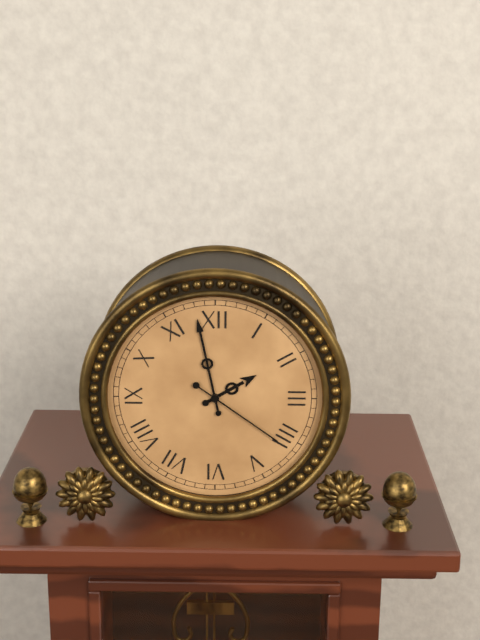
1:58:21
